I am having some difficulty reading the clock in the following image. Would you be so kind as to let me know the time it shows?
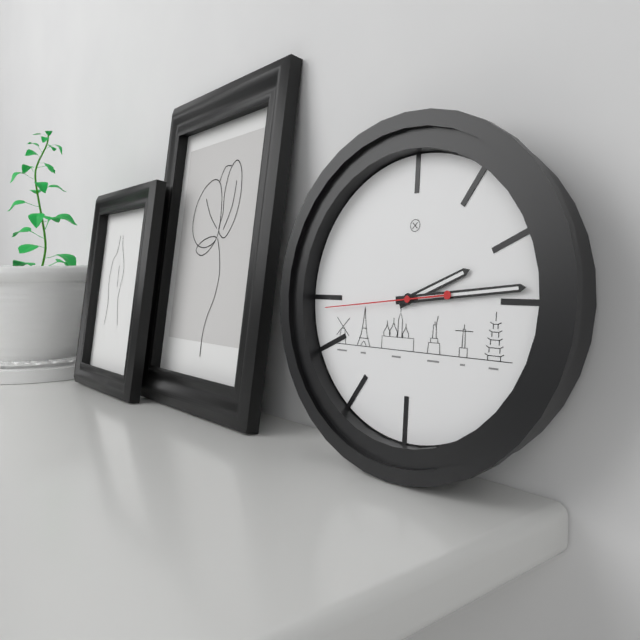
2:14:44
